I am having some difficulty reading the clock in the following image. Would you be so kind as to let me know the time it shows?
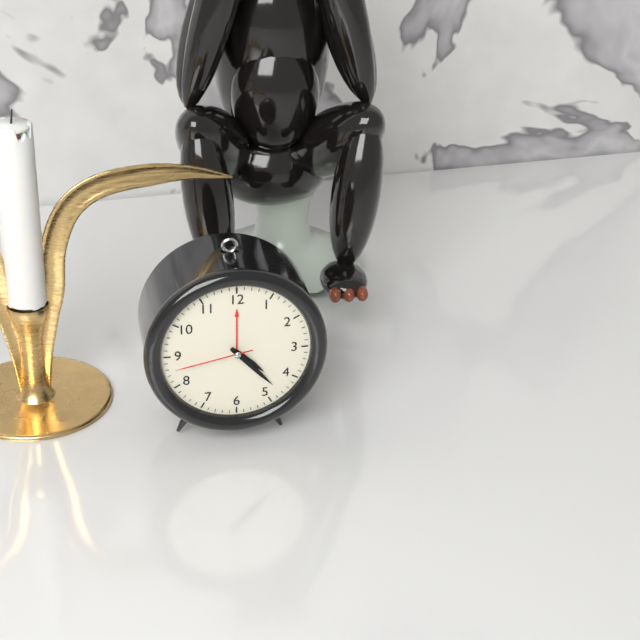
4:23:43
